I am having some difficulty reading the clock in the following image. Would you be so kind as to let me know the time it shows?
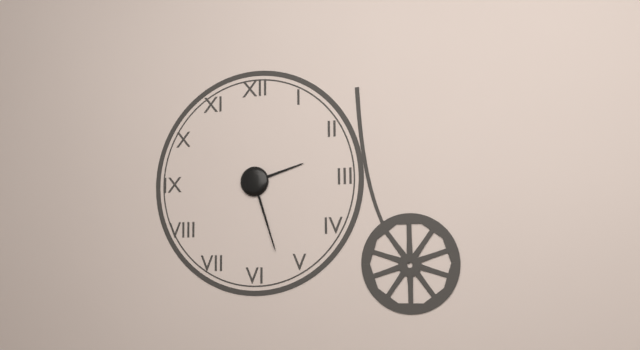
2:27
